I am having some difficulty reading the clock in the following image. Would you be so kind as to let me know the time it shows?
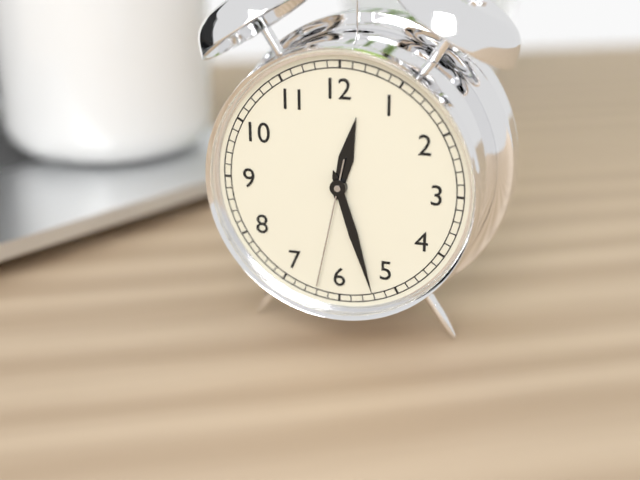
12:27:32
